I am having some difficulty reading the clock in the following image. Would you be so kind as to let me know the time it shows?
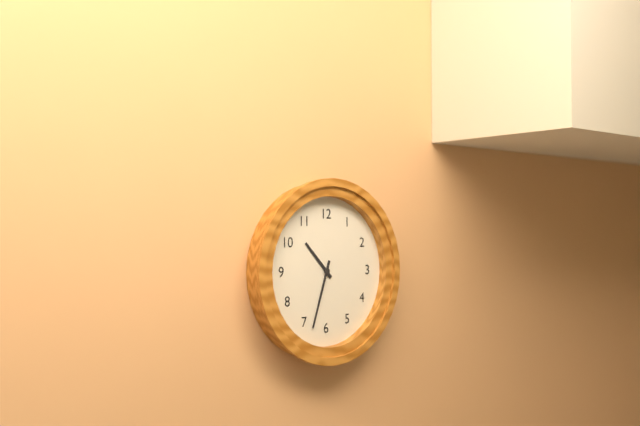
10:33
